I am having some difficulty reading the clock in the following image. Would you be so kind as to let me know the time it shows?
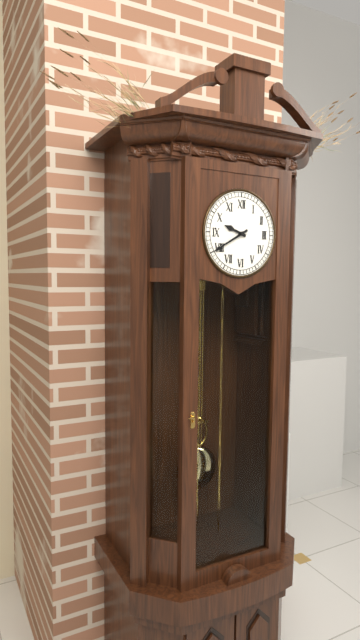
9:40
